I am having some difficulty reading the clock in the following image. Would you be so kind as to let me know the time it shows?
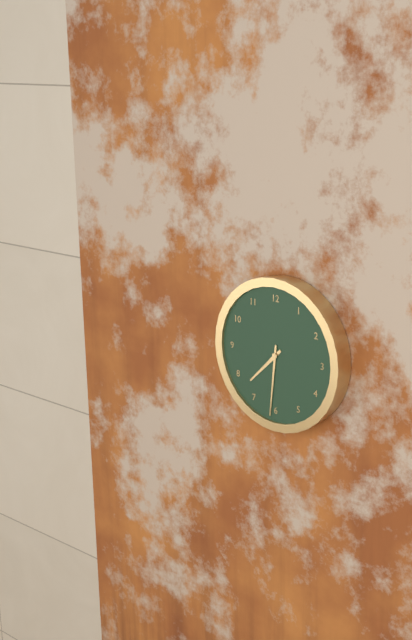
7:31
